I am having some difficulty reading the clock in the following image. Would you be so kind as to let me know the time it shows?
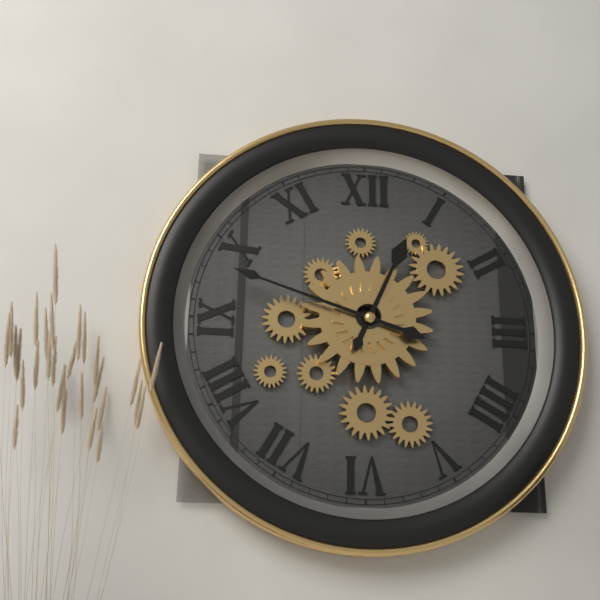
12:48
